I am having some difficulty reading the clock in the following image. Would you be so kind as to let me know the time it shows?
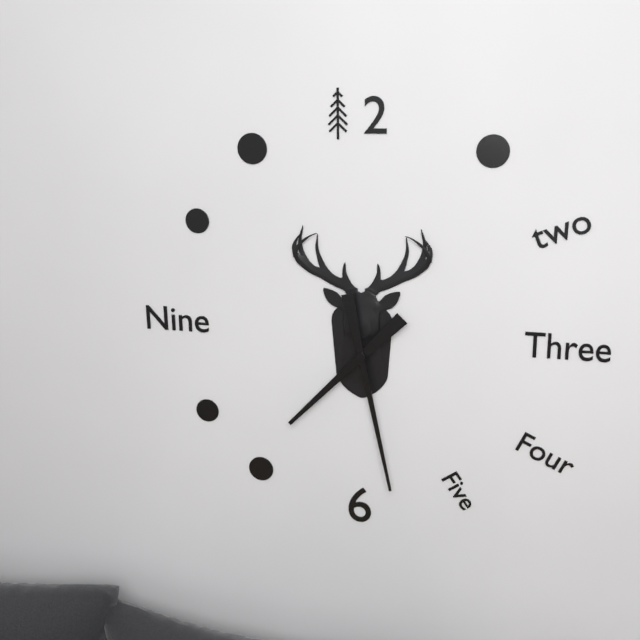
7:28
